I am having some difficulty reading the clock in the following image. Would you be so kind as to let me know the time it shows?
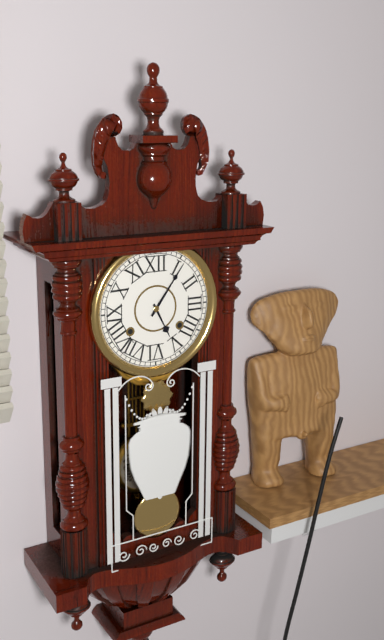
5:06
